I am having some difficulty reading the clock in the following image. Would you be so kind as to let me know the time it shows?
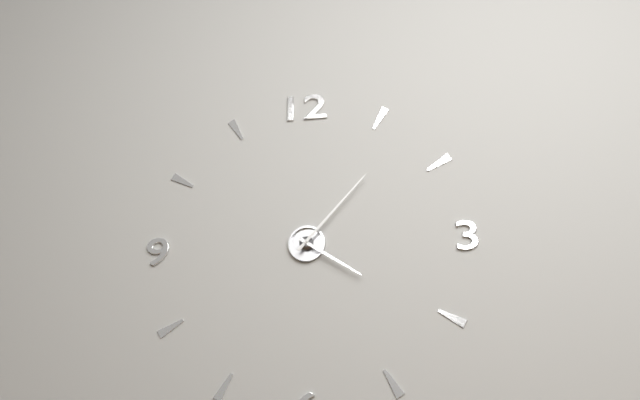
4:07
